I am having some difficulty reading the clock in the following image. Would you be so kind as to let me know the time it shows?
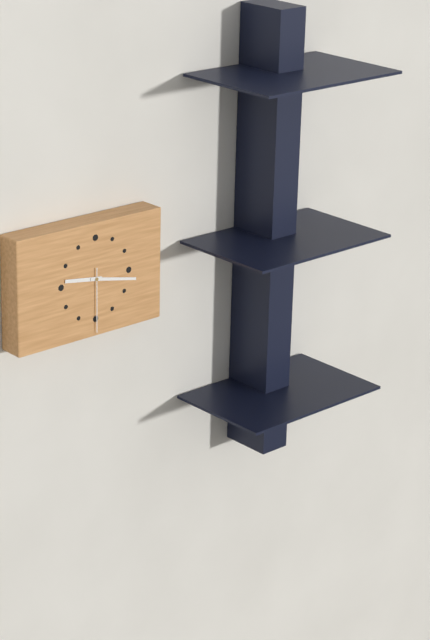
9:17:30
